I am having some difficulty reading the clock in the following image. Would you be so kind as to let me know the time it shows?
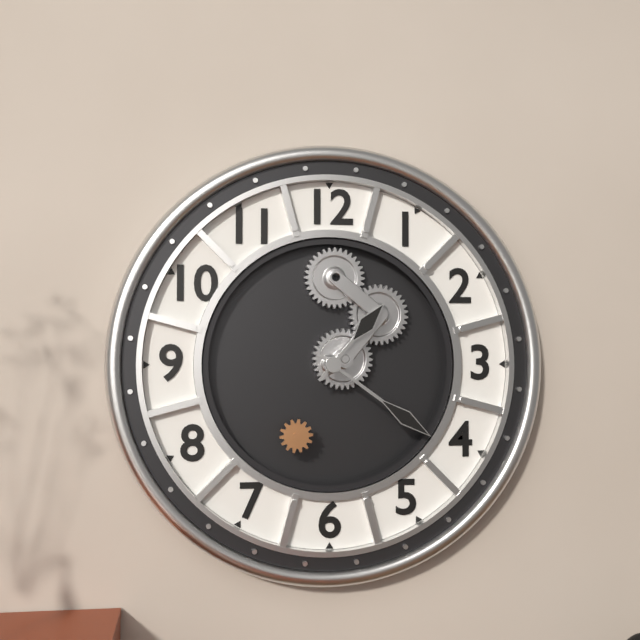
1:21
